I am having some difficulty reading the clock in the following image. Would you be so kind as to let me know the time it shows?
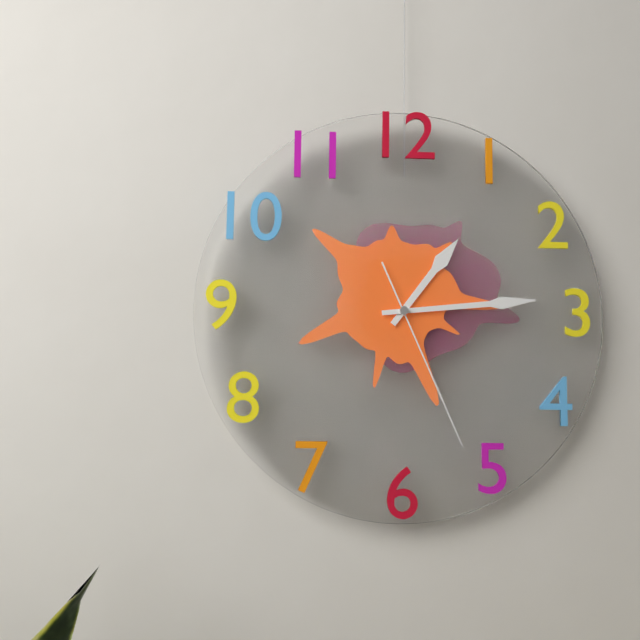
1:14:26
